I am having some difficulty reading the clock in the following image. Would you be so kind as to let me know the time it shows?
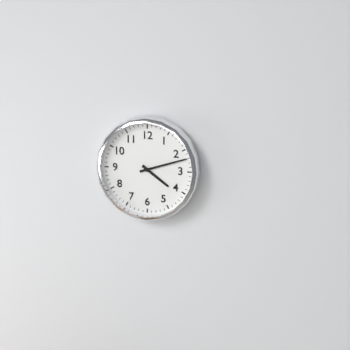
4:12
